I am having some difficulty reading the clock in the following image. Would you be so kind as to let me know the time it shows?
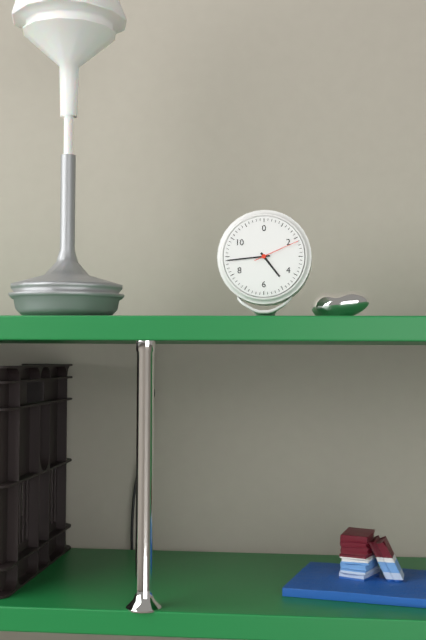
4:44
